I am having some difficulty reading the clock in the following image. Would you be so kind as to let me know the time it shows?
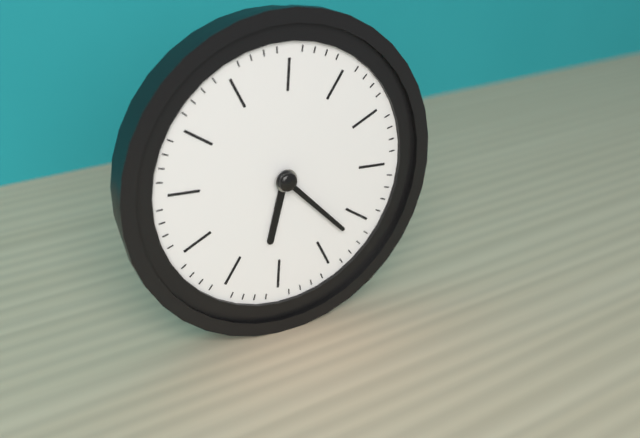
6:22
